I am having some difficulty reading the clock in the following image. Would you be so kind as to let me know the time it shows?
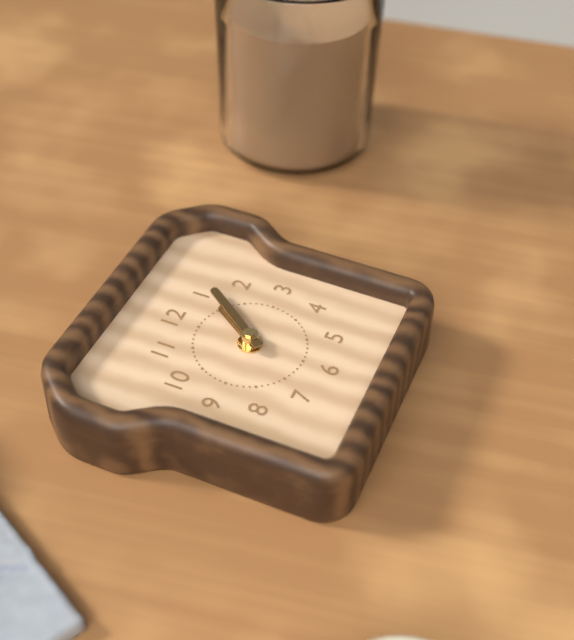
1:06
